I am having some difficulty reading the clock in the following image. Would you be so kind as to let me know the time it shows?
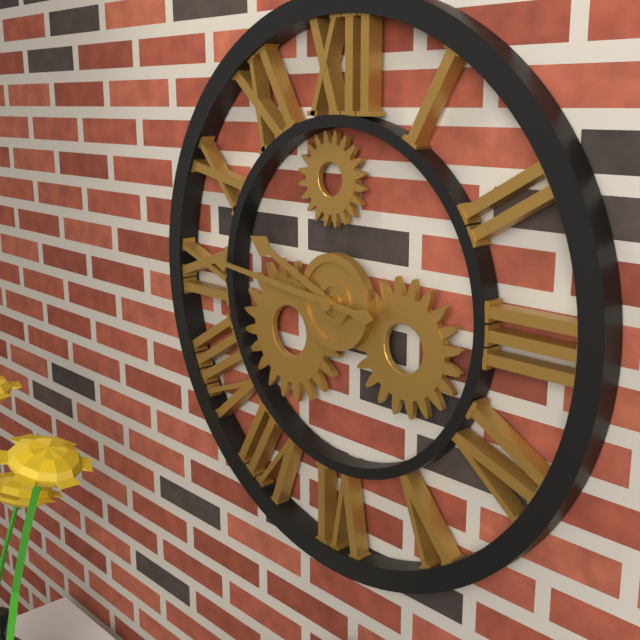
9:46
